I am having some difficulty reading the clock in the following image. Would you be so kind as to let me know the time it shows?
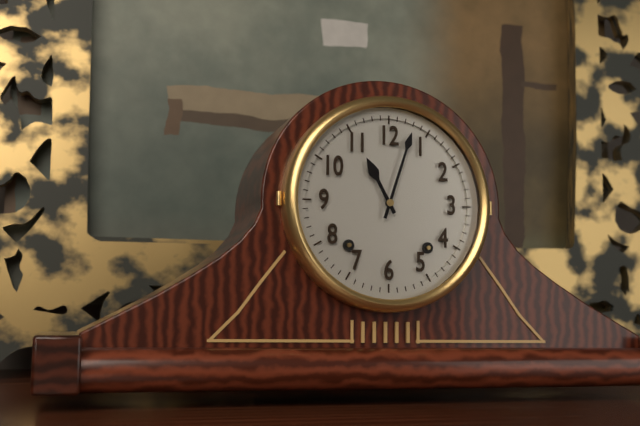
11:03
